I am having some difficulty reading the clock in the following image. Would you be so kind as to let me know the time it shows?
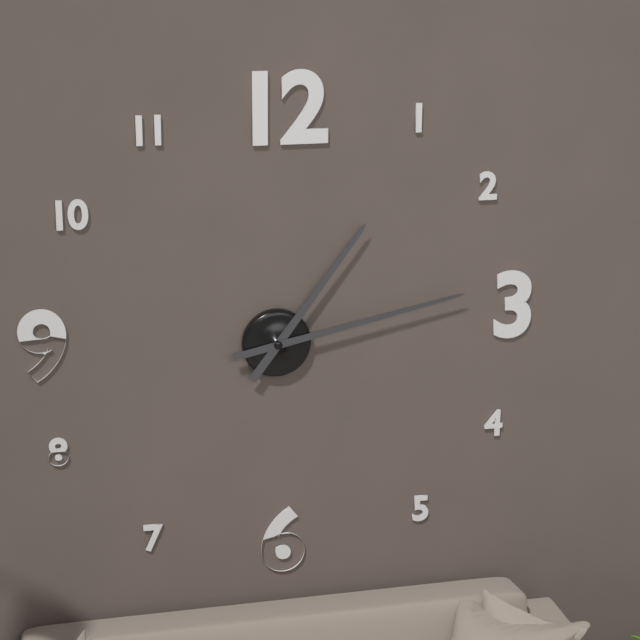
1:13
